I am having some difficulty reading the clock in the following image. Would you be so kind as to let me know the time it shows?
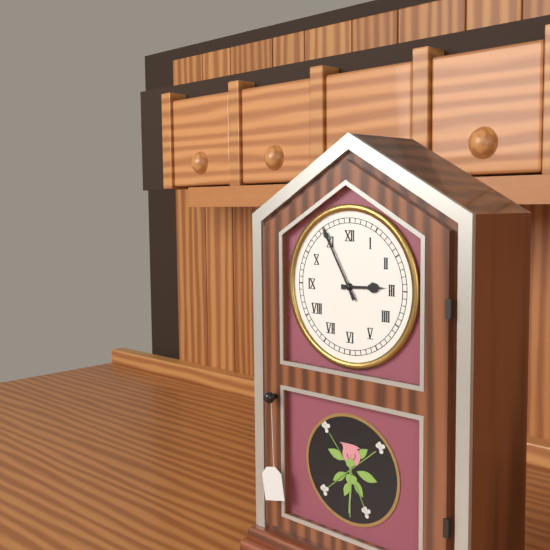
2:55
